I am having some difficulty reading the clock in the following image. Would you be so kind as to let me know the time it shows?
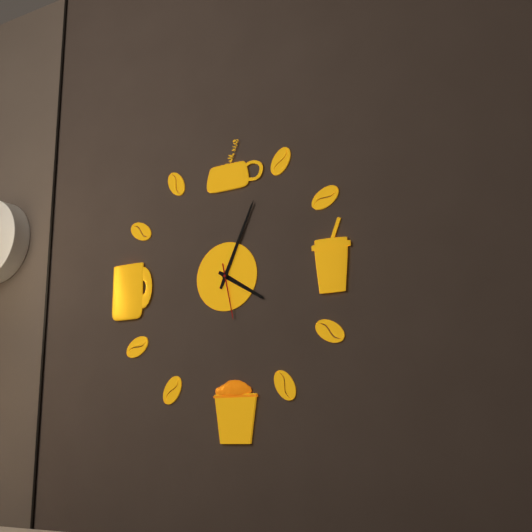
4:04:28
